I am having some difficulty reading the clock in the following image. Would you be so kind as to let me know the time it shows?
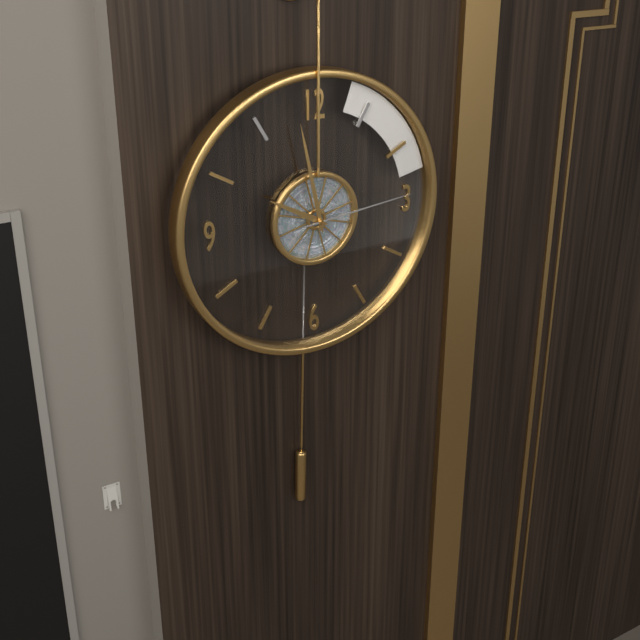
9:58:14
